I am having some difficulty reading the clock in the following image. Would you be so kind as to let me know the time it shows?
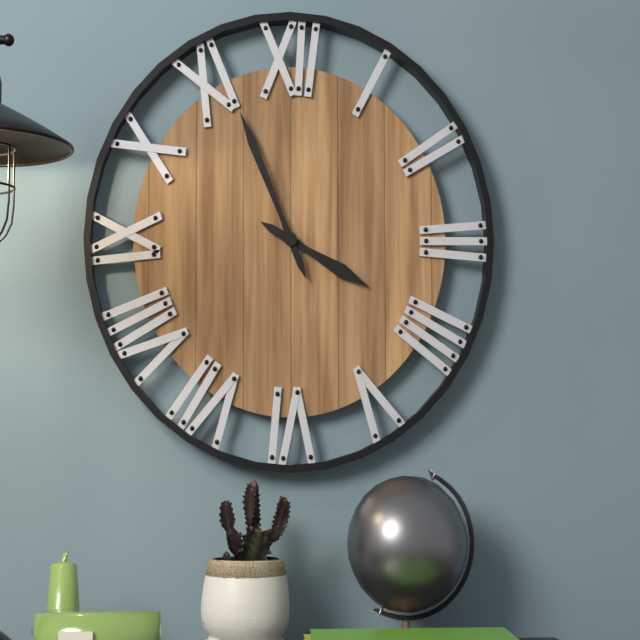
3:56
